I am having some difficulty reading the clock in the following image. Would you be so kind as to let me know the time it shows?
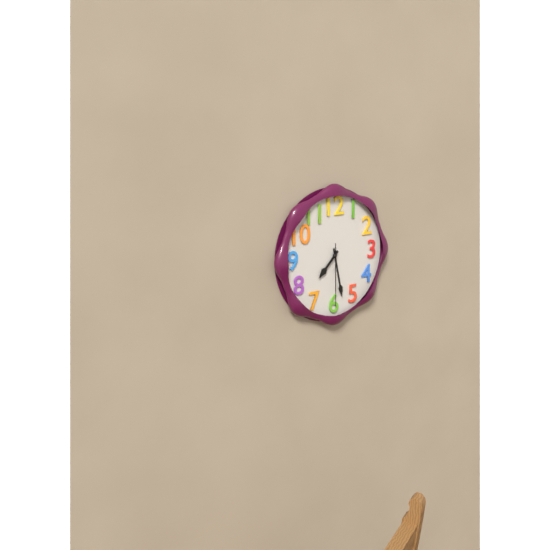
7:28:30
